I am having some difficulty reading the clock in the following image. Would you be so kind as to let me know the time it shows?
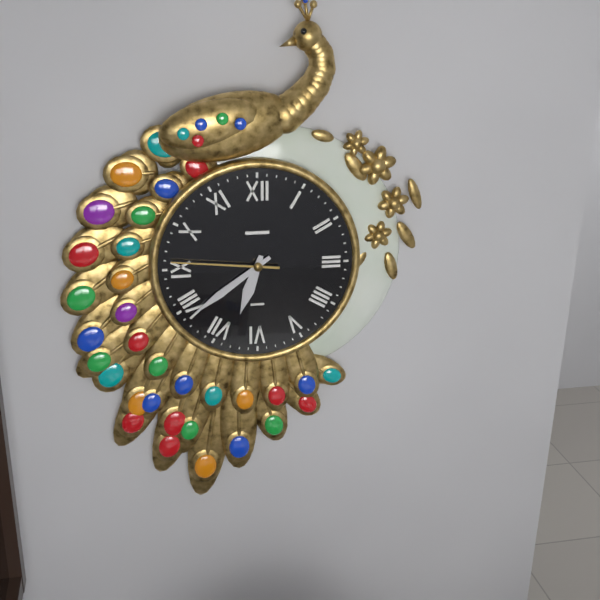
6:39:46
